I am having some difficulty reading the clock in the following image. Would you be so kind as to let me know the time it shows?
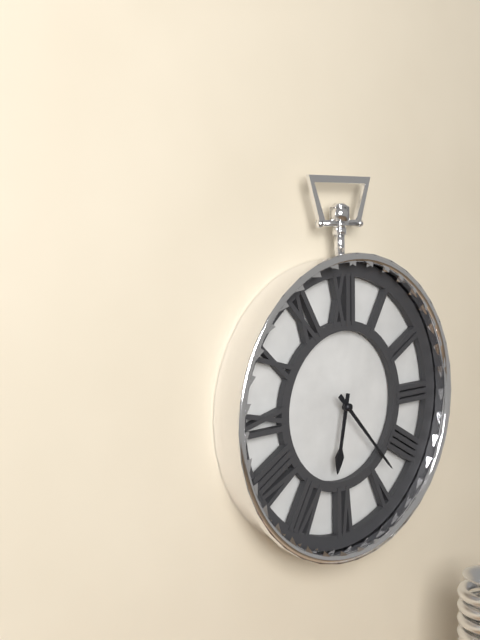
6:23
